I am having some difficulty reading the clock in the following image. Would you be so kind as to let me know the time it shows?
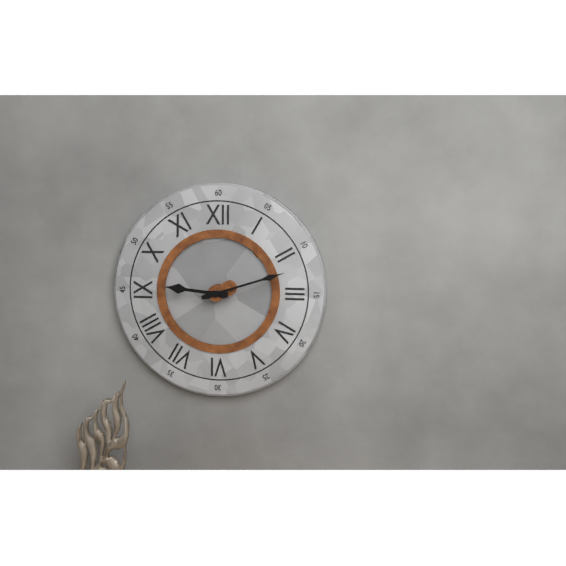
9:12
